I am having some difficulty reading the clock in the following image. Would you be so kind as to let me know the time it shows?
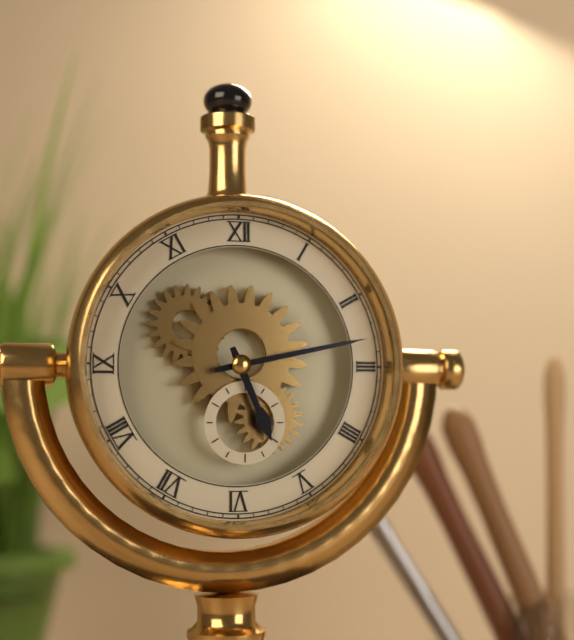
5:13
